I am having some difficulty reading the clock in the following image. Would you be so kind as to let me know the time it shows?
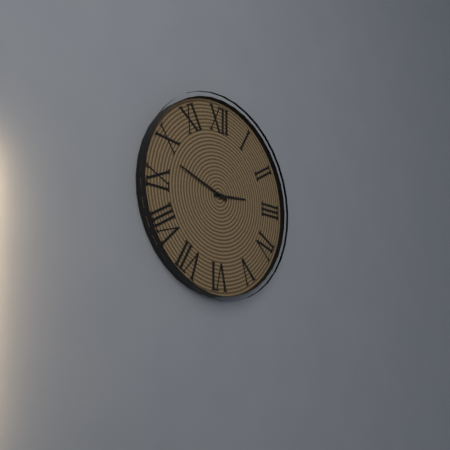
2:48
